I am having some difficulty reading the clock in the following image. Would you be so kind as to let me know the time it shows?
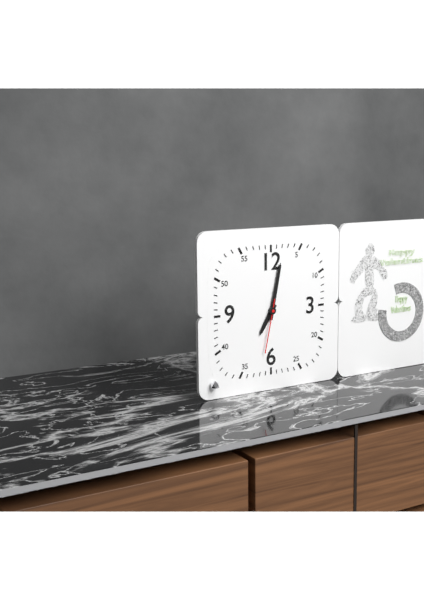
7:02:32
